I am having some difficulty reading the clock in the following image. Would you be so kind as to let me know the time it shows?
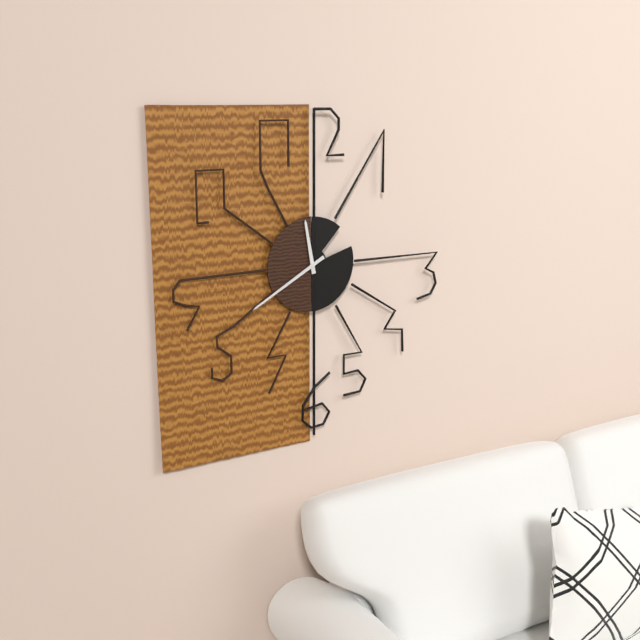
11:40
